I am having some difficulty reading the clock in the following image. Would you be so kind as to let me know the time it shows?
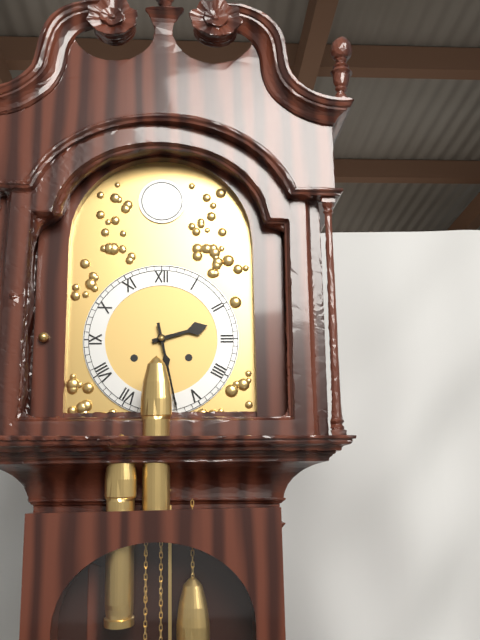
2:28
